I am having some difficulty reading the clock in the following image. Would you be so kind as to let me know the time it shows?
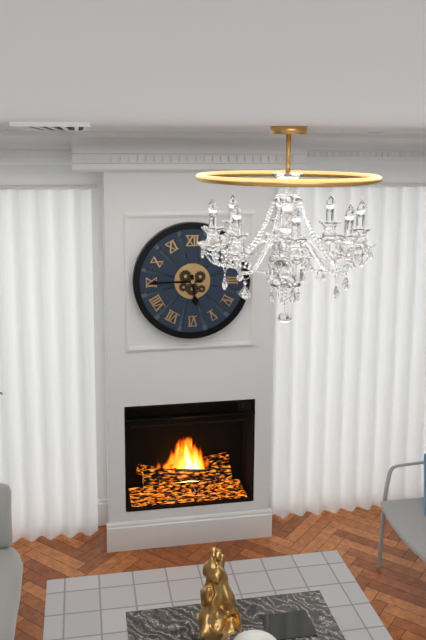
5:45
